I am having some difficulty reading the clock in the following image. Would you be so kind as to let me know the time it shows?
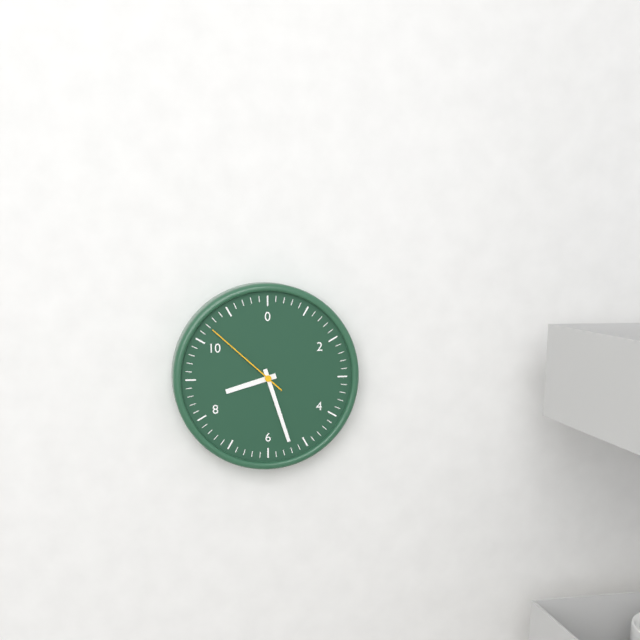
8:27:52
